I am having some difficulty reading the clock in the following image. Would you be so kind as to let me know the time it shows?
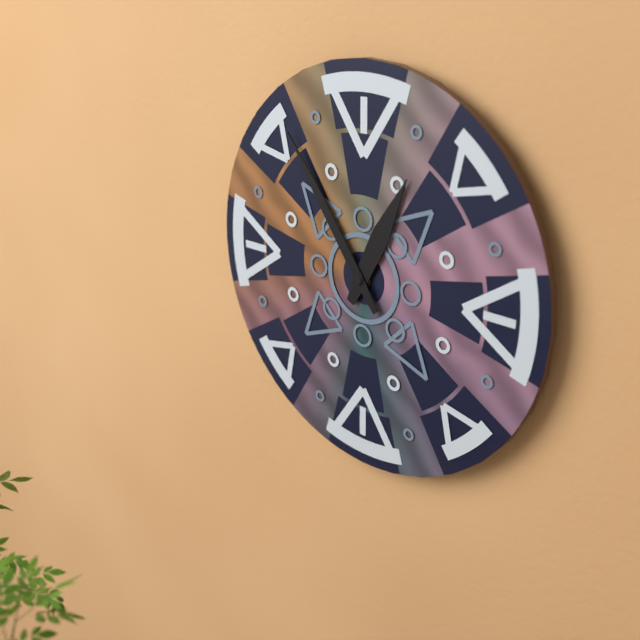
12:54
